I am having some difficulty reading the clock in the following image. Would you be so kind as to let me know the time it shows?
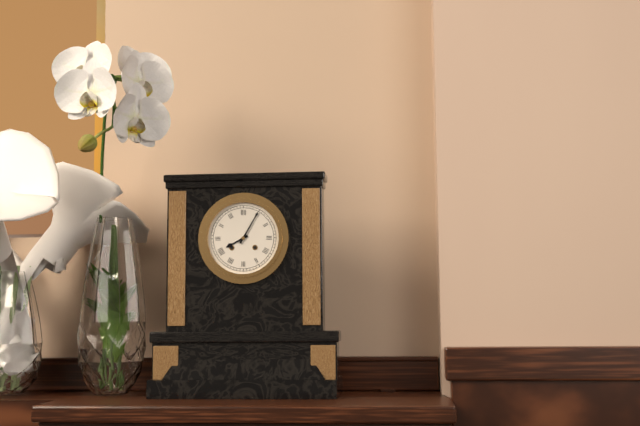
8:05
